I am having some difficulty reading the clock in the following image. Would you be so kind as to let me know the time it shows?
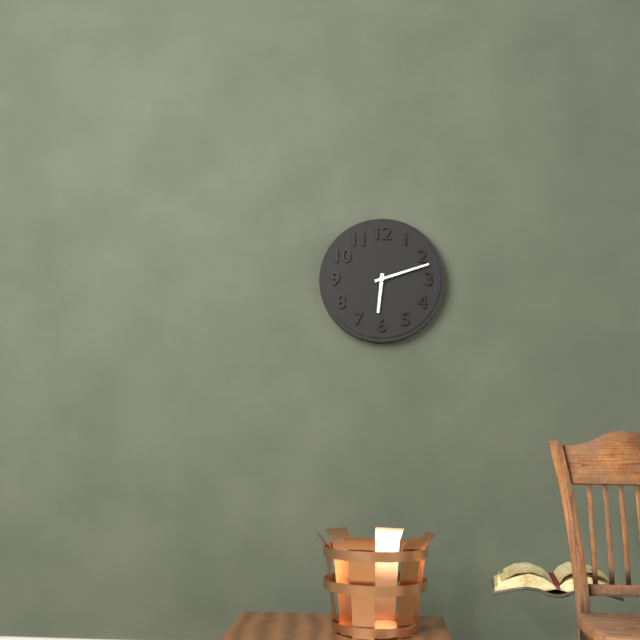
6:12
